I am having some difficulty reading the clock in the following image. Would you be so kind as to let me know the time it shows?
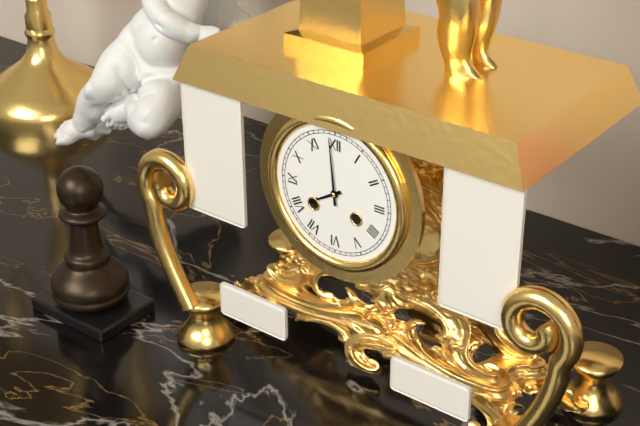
7:59
